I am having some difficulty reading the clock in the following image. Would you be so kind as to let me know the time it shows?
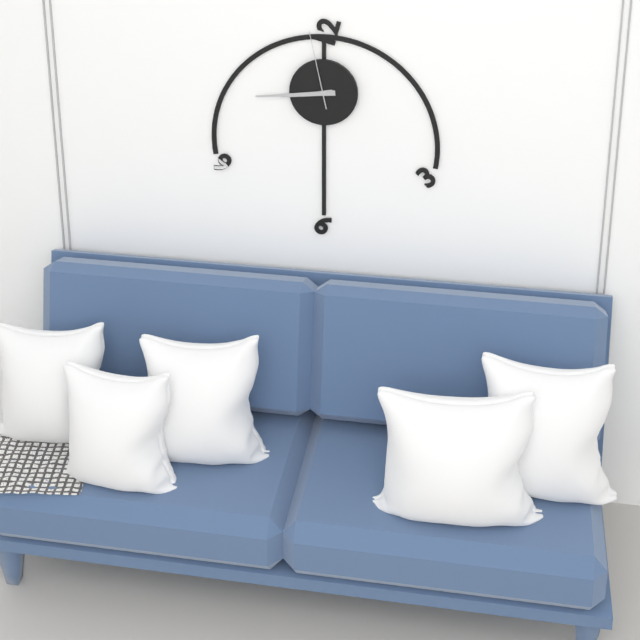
8:44:58
